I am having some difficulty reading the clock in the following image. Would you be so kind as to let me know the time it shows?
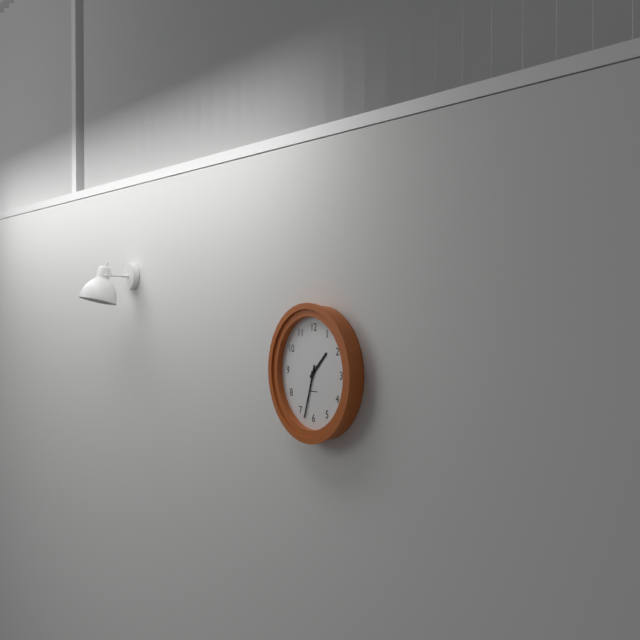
1:33
